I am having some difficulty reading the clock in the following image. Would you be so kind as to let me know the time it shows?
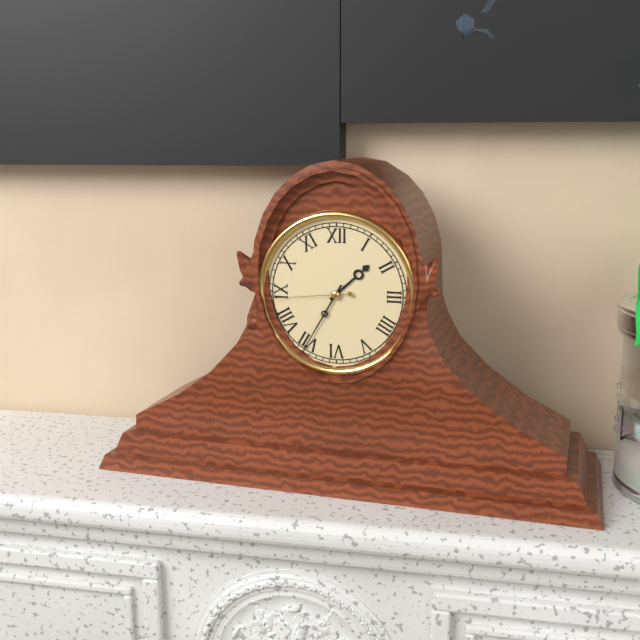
1:35:44
